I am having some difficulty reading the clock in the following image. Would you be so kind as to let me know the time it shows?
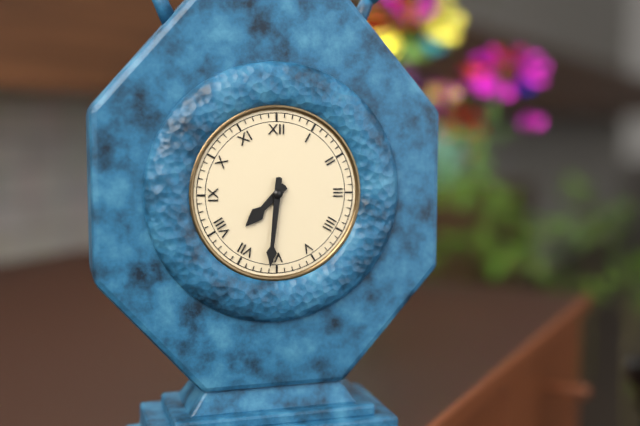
7:31
